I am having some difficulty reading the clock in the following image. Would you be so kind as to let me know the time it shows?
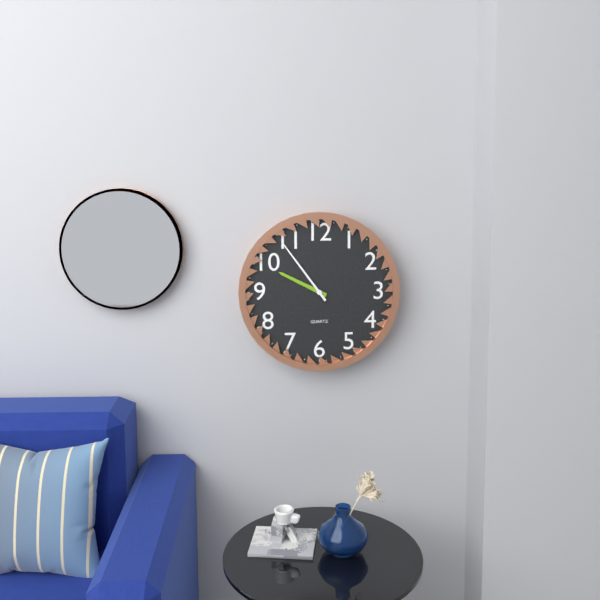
9:54
